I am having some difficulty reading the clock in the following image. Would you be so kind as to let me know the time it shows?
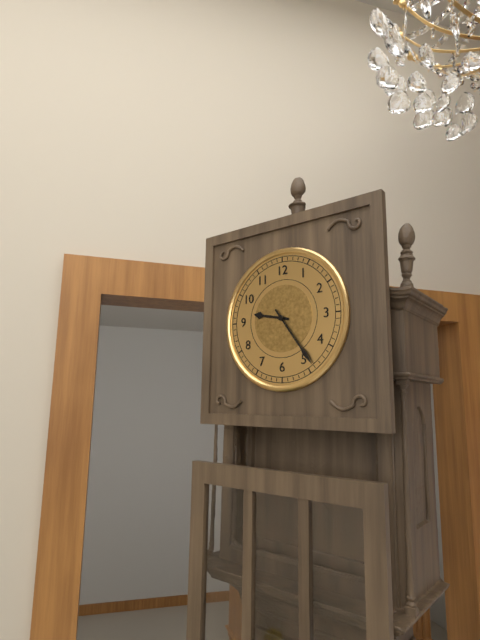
9:24
